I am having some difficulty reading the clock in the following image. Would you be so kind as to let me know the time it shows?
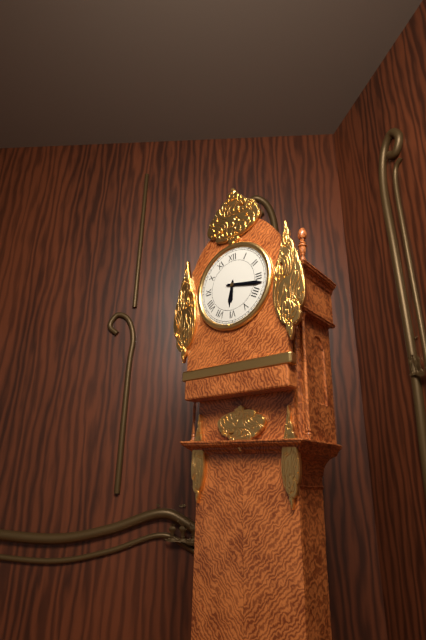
6:17
